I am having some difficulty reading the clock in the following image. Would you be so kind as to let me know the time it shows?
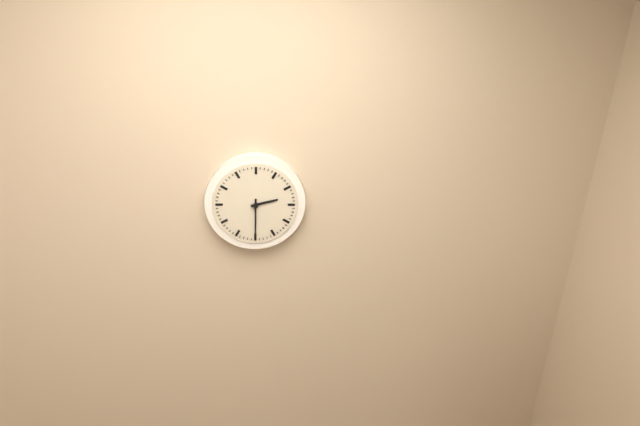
2:30
